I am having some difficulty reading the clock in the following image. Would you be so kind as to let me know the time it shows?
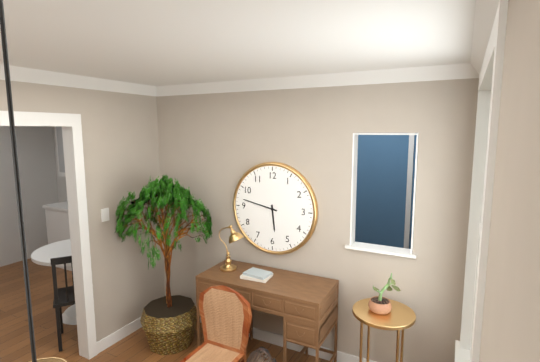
5:47
